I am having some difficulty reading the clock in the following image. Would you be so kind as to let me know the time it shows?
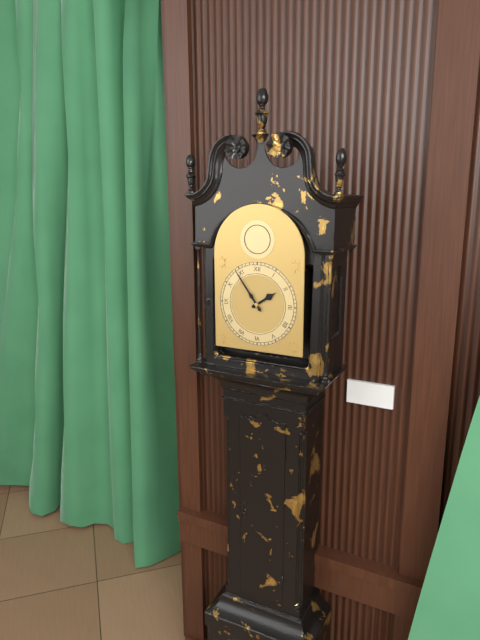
1:54
